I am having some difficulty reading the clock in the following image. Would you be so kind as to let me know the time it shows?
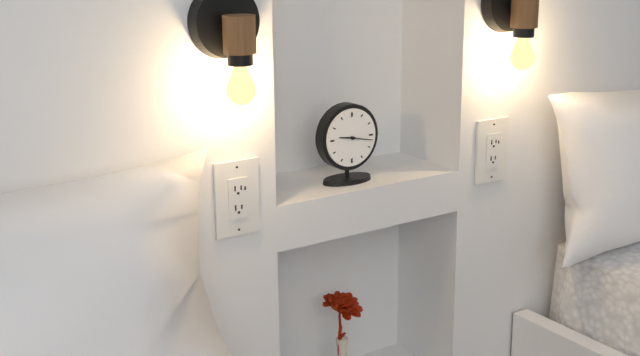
9:17
